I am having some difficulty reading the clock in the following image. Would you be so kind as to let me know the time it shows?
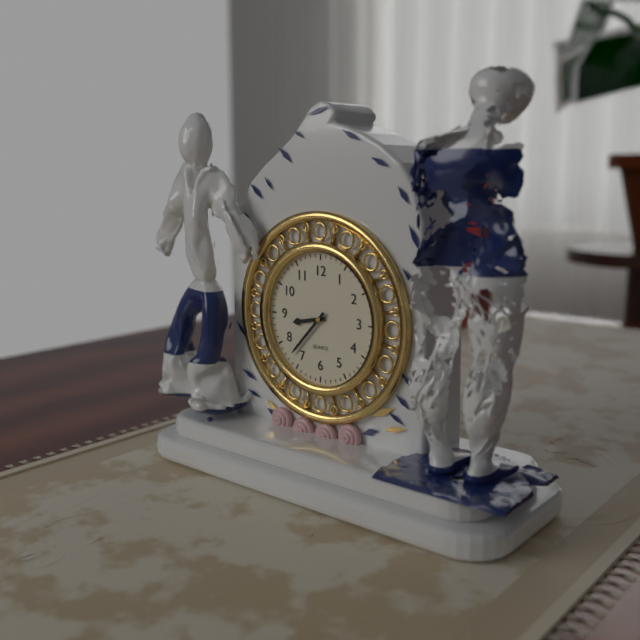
8:37
